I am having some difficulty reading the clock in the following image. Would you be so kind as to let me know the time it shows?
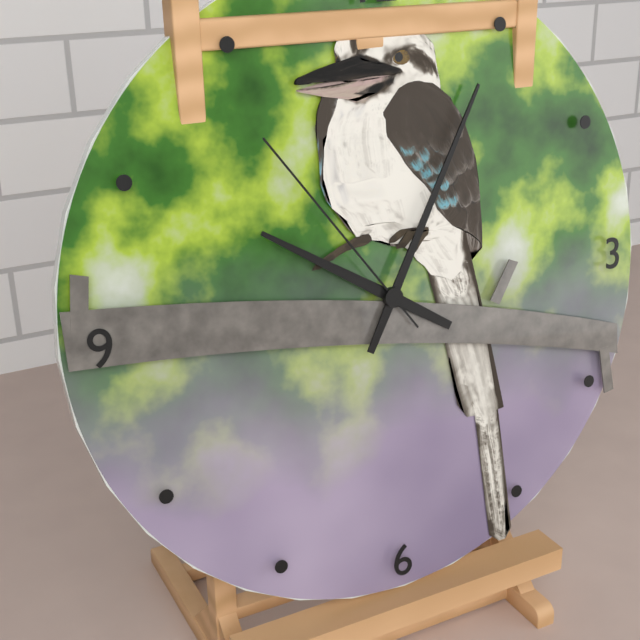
10:05:54
